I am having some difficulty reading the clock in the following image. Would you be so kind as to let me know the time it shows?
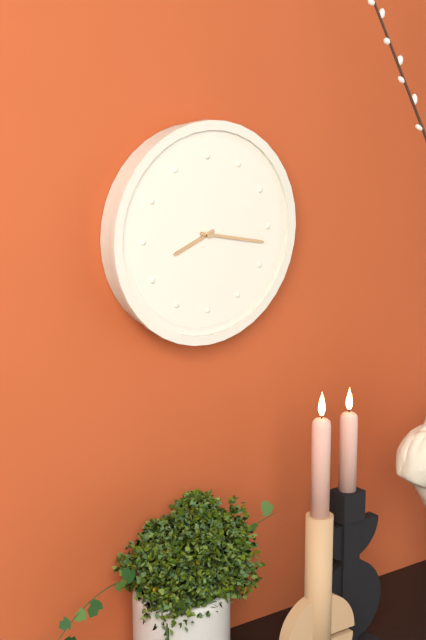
8:17
